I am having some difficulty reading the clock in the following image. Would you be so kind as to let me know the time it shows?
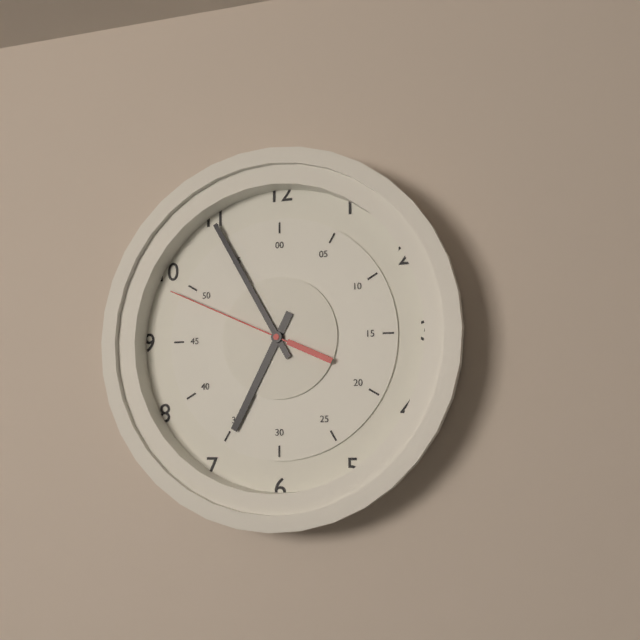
6:55:49
